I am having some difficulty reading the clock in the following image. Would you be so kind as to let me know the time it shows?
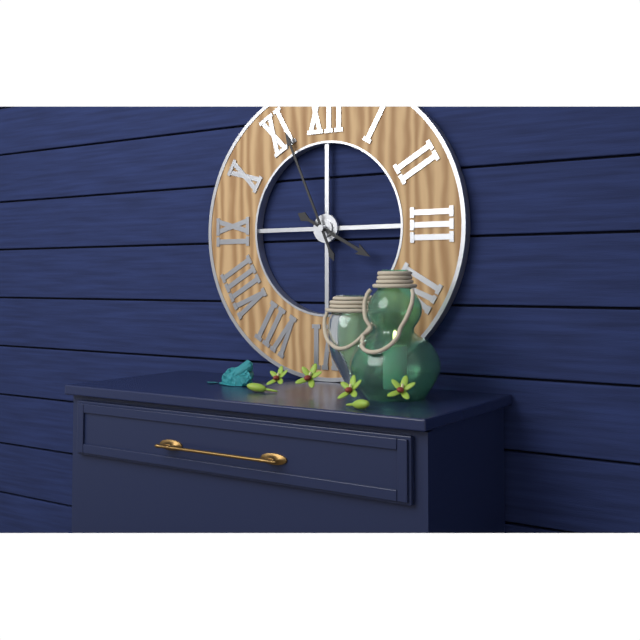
3:56
